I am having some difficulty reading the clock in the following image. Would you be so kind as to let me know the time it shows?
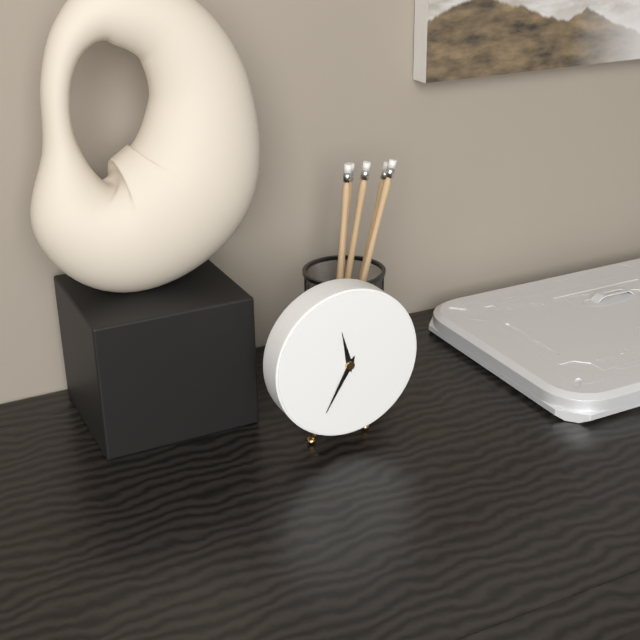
11:35
